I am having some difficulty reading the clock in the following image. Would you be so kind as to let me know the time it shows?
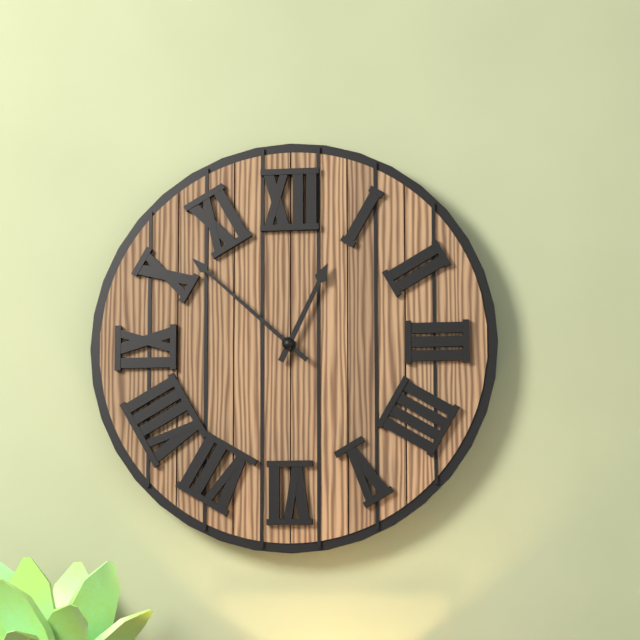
12:52
